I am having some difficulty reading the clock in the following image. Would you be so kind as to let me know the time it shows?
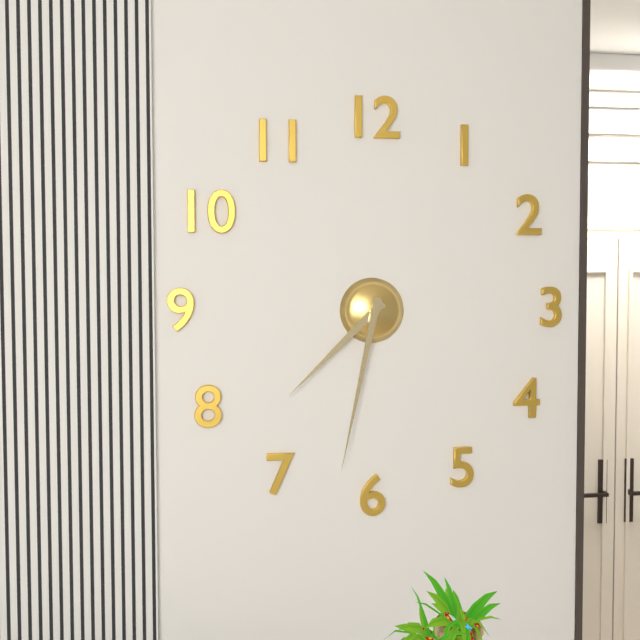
7:32
